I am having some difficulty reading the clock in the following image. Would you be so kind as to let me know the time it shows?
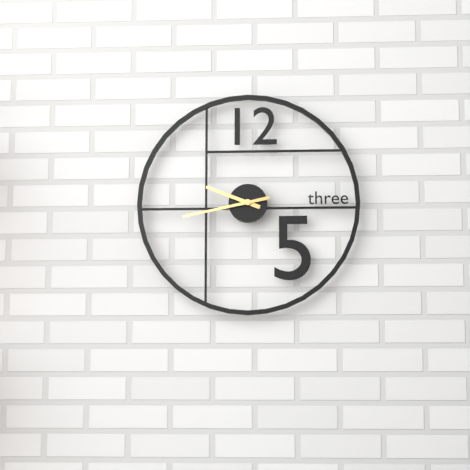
9:43
